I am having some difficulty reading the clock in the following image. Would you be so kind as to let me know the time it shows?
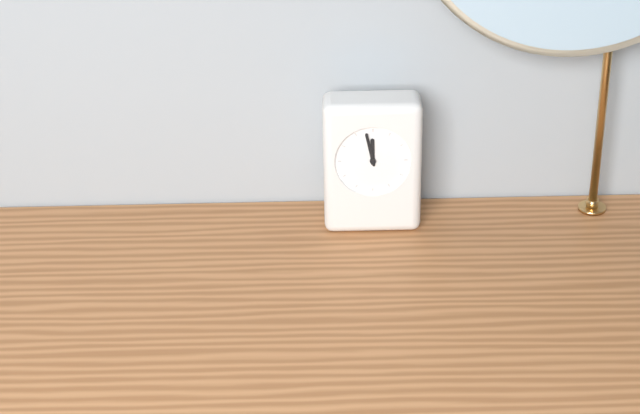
11:58
